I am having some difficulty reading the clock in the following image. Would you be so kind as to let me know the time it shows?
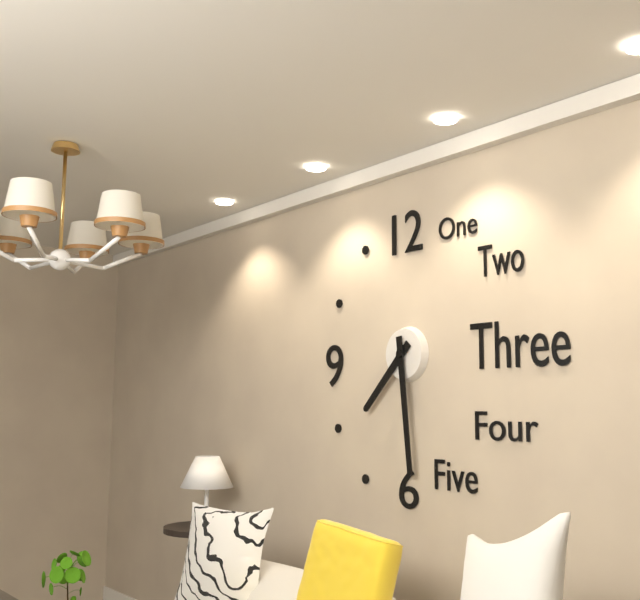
7:29
